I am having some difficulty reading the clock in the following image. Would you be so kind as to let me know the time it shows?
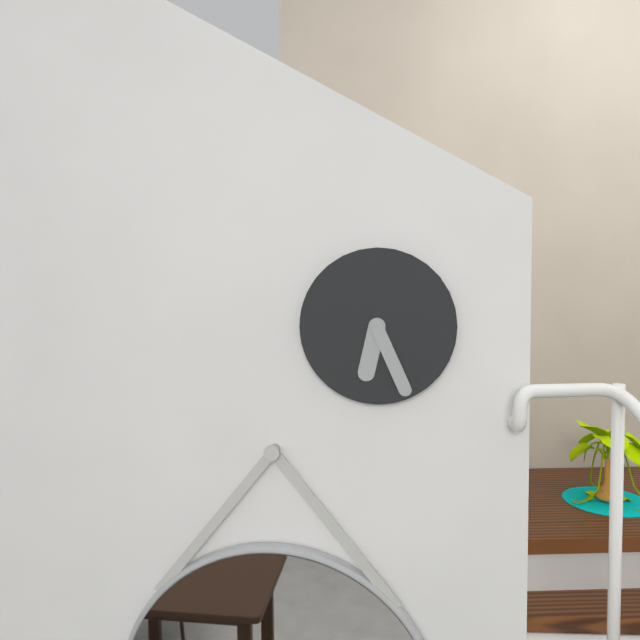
6:26
